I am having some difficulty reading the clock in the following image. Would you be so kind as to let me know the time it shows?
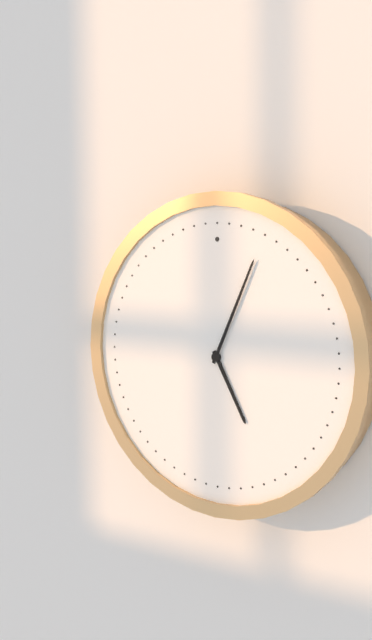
5:04
